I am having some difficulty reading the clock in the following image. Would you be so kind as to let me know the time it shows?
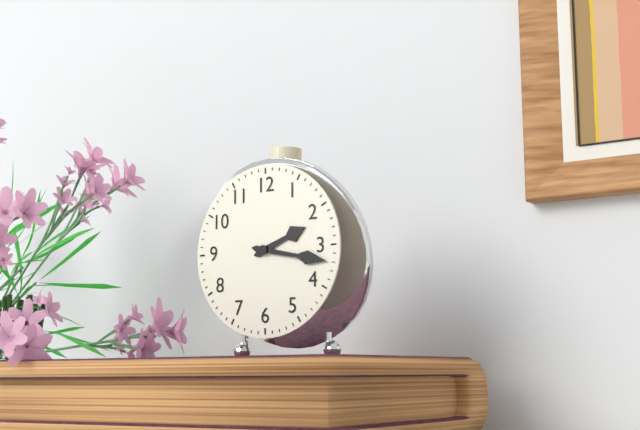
2:17
